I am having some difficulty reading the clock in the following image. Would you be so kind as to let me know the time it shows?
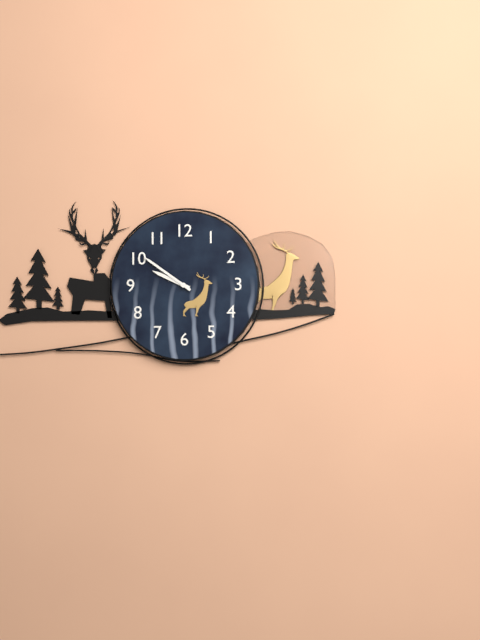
9:51
